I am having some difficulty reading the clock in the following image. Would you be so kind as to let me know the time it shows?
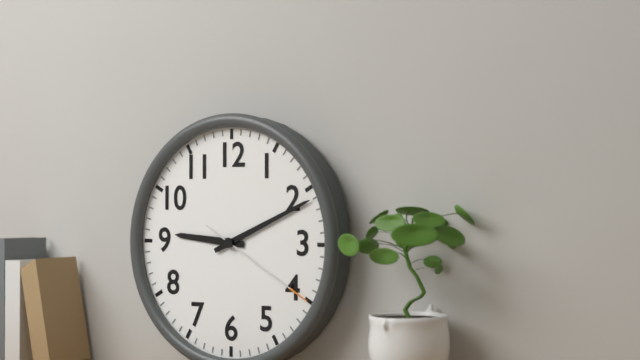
9:11:20
